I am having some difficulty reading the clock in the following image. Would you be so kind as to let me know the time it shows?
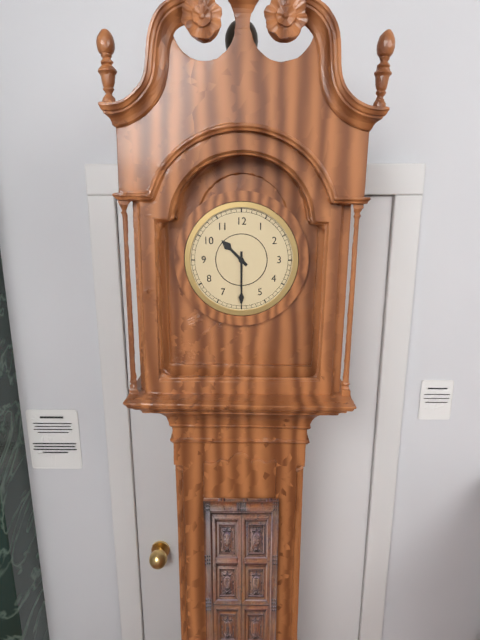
10:30
